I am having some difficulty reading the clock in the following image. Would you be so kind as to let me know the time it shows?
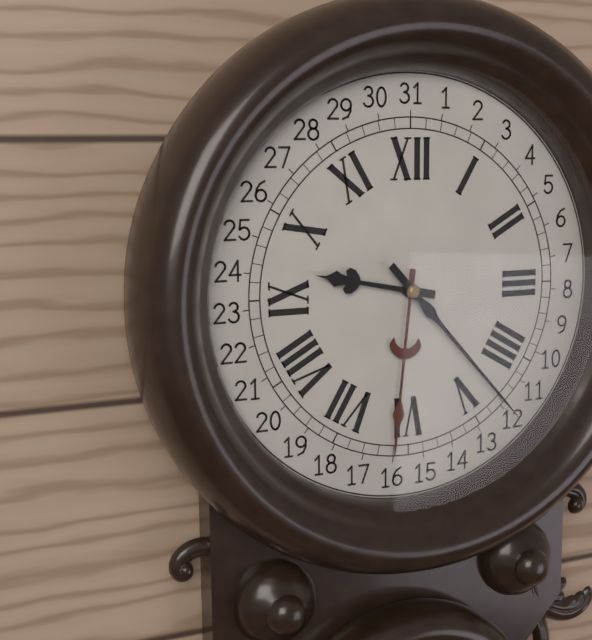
9:23
